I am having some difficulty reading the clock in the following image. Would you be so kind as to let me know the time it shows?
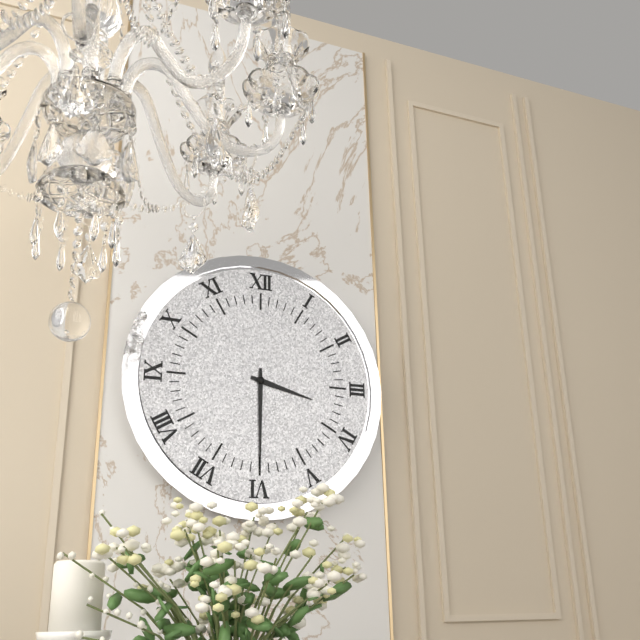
3:30
